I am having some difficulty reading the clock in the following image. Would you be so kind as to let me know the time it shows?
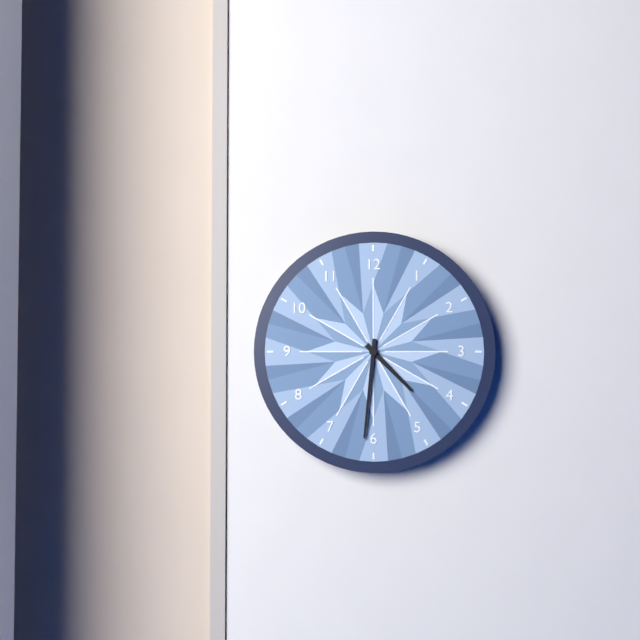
4:31
